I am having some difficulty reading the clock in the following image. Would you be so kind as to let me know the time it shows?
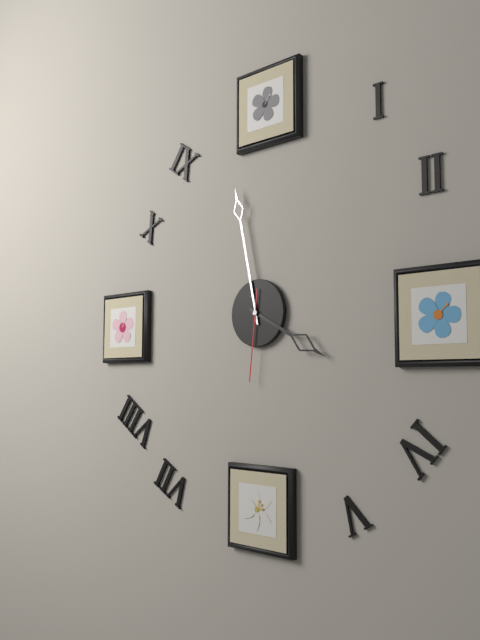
3:58:31
